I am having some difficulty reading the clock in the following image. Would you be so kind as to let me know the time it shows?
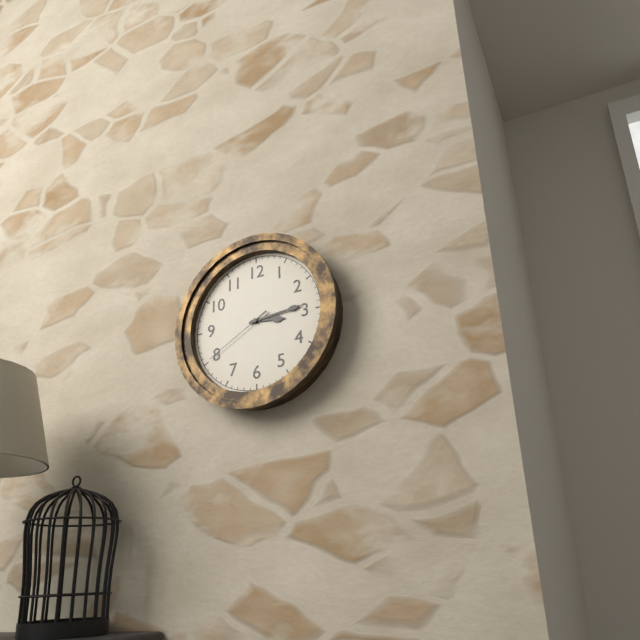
3:14:40
